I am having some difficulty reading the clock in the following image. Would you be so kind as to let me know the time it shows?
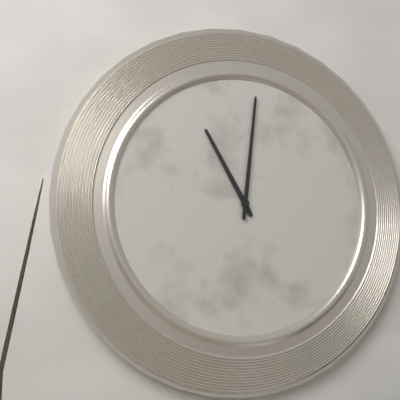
11:01
